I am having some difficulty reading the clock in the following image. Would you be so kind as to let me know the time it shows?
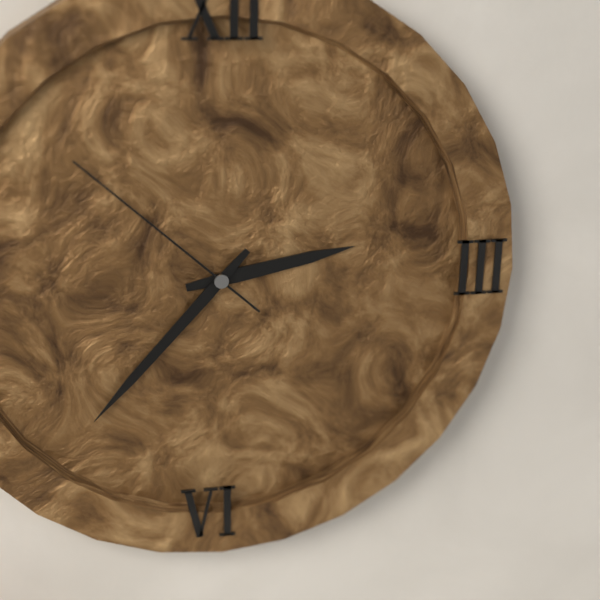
2:37:52
